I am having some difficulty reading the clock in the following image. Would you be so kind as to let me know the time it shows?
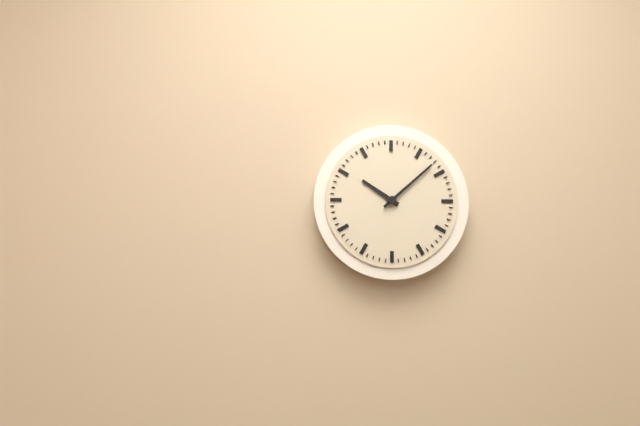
10:08
